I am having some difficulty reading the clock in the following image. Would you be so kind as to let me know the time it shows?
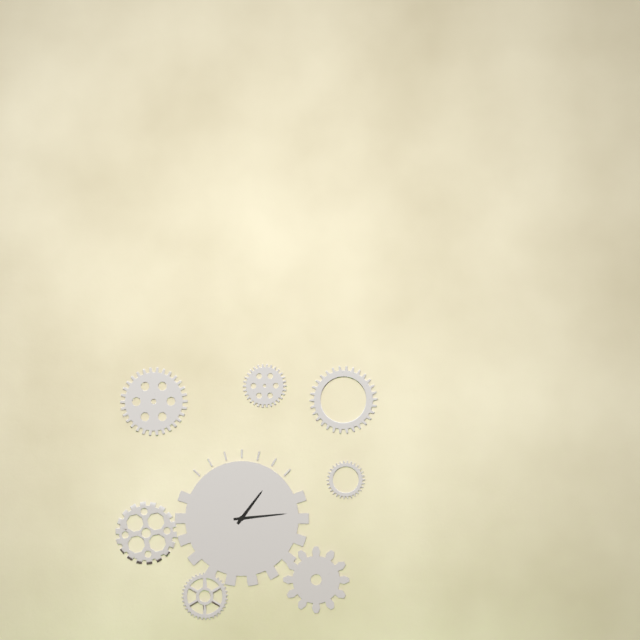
1:14
